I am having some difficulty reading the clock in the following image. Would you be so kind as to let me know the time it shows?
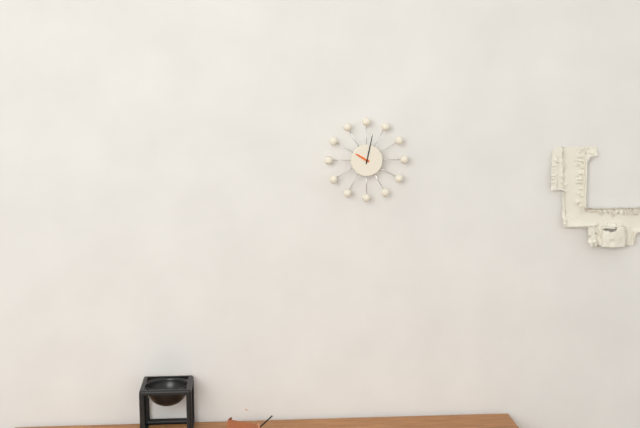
10:02
